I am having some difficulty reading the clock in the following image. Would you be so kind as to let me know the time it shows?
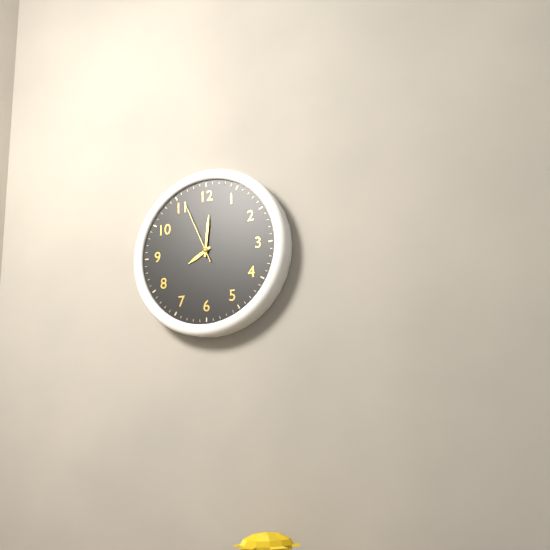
8:01:56
